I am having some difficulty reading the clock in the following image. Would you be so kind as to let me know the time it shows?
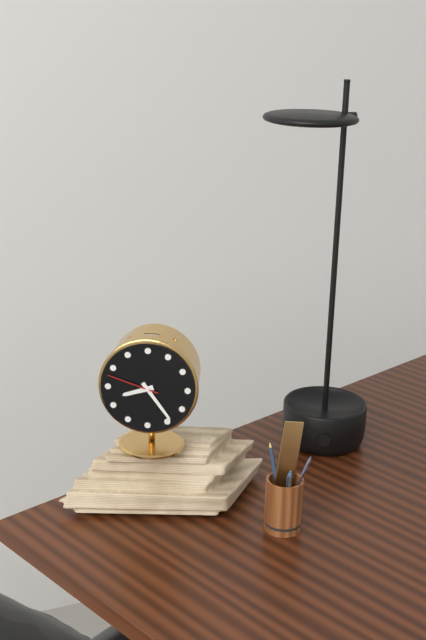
8:24:48
